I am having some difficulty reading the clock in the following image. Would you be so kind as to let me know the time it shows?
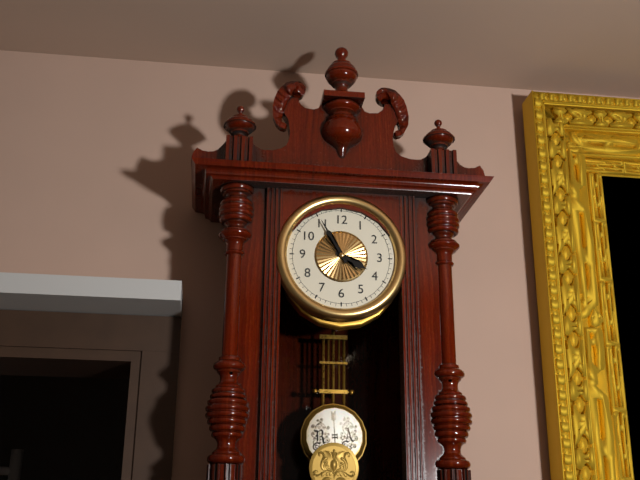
3:55
